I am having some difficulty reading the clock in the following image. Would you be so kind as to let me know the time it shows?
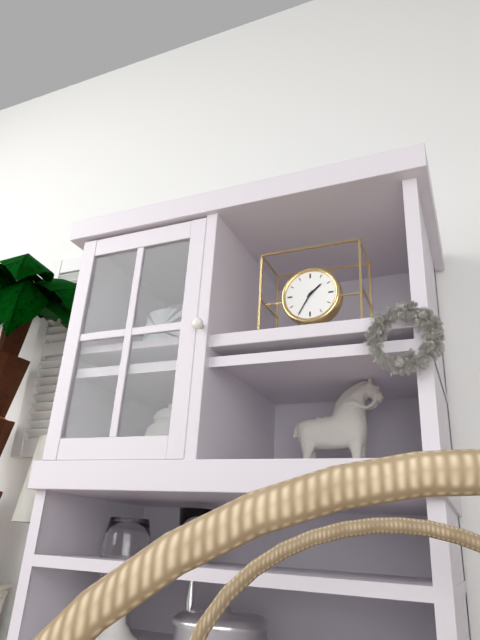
1:35
